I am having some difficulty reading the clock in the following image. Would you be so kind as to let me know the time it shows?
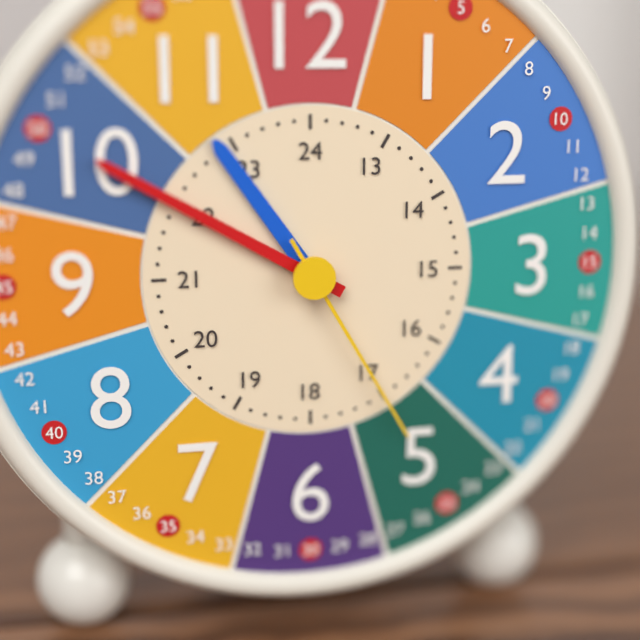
10:50:25
